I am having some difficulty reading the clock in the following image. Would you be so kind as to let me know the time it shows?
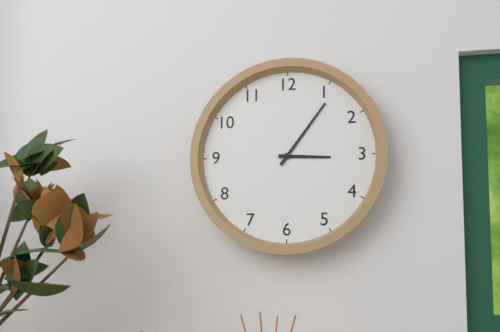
3:06
